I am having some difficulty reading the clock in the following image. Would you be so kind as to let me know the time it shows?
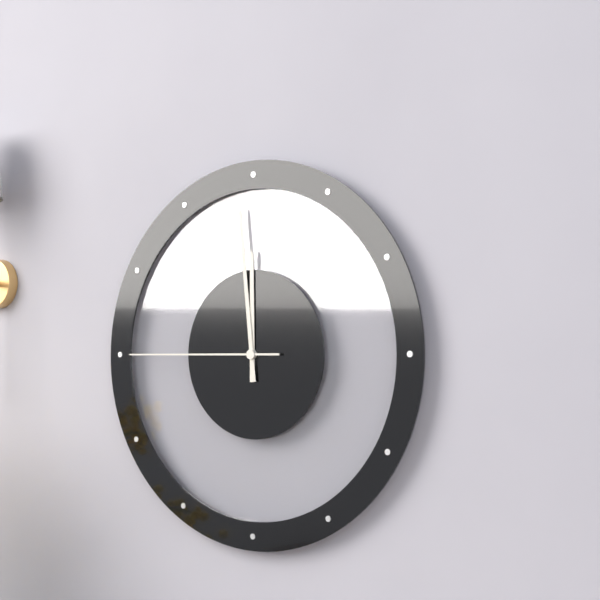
11:59:45
